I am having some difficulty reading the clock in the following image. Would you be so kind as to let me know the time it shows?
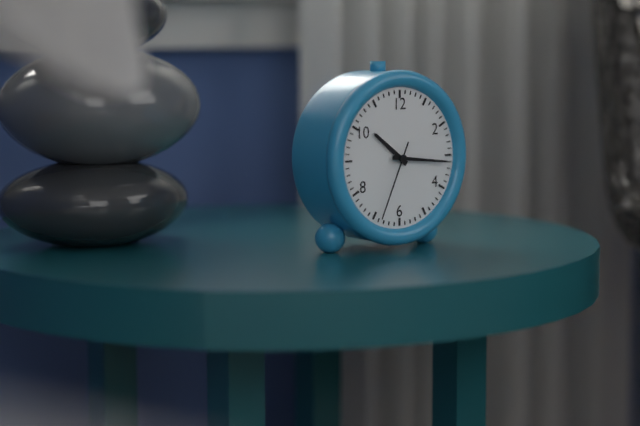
10:16:34
